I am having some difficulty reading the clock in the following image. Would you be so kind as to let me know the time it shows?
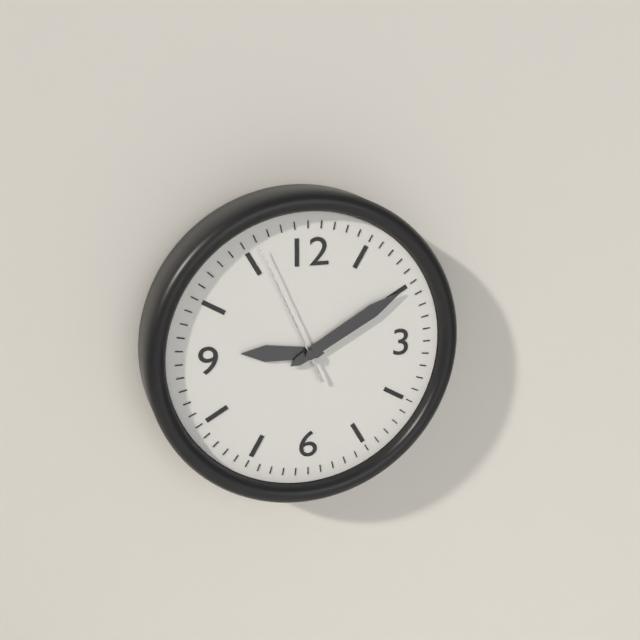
9:10:56
